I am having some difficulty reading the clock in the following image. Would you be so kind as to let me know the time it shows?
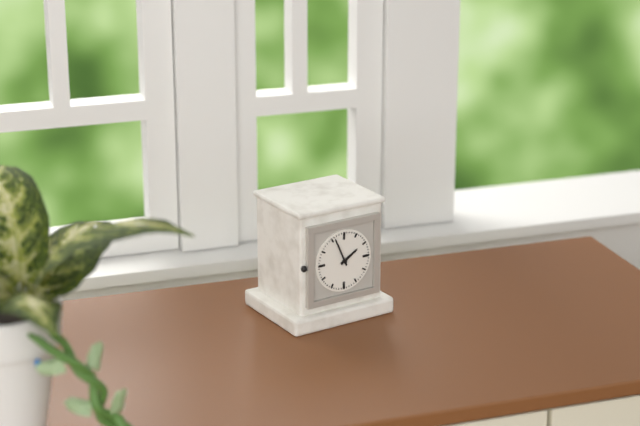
1:56
